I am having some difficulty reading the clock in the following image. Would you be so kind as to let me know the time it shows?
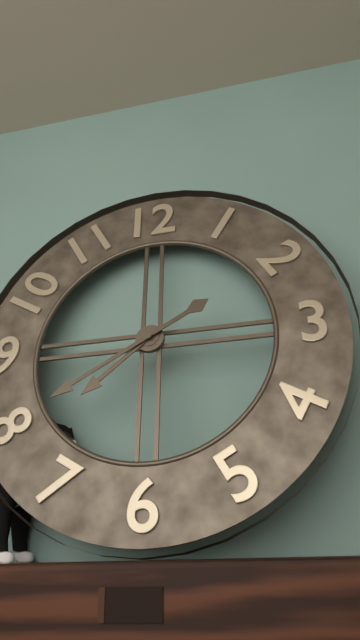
7:40
